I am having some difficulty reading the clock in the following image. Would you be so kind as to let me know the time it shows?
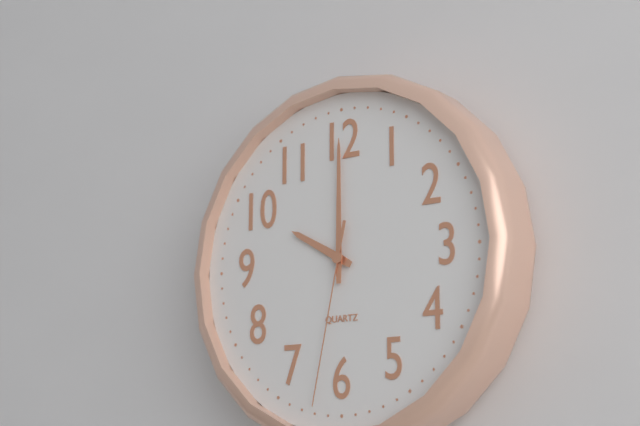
10:00:32
